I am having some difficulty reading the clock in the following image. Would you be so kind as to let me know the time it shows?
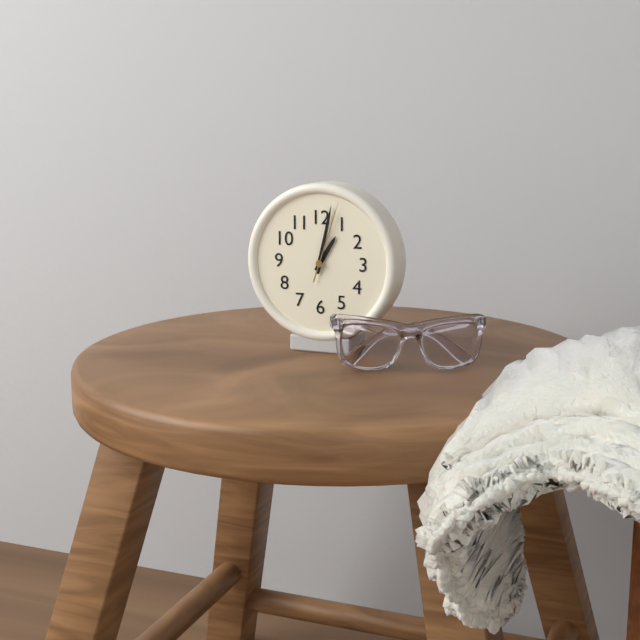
1:02:03
